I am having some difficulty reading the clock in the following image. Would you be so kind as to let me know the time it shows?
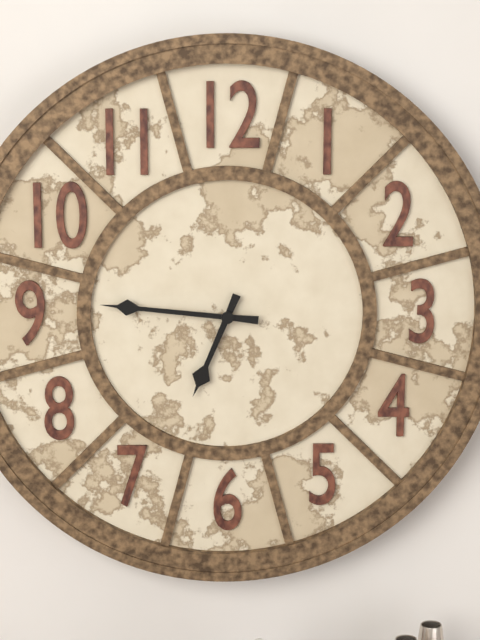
6:46
